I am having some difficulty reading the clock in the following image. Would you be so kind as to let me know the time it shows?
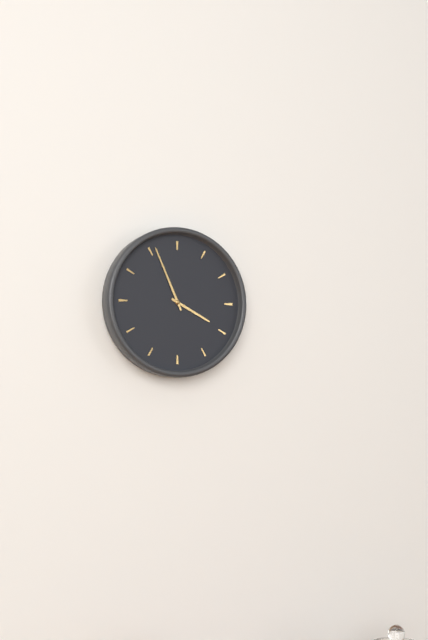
3:56
